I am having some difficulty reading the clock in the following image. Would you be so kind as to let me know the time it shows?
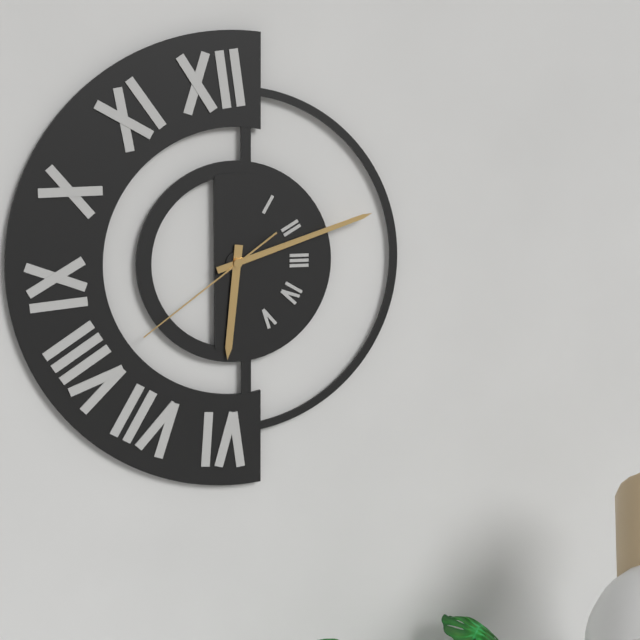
6:12:39
